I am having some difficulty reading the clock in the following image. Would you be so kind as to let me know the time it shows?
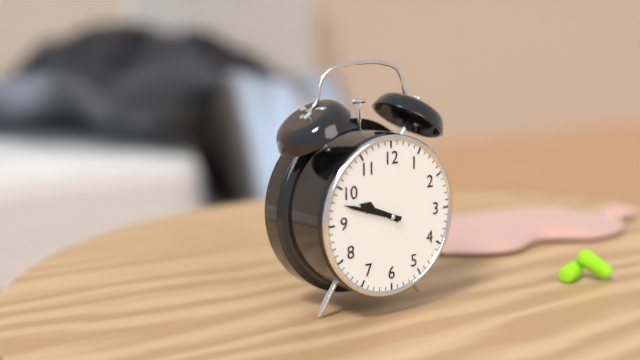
9:48
